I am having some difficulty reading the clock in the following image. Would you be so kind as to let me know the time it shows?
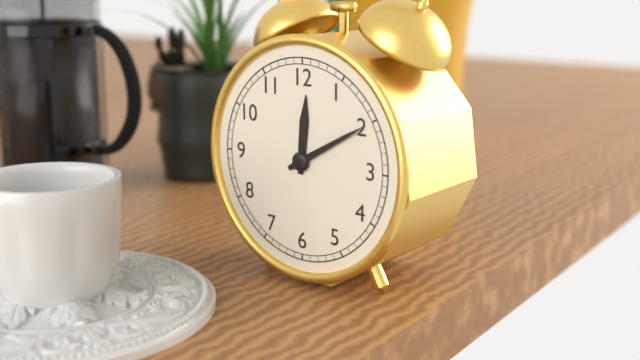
12:10
